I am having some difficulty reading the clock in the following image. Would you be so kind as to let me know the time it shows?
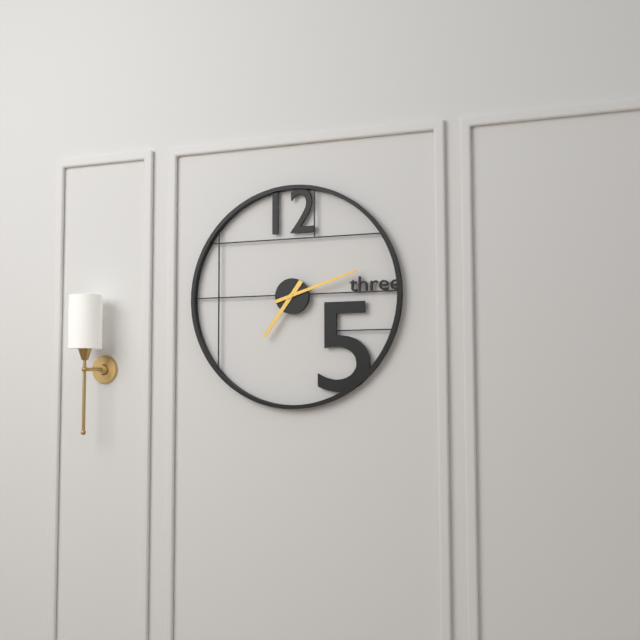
7:12
